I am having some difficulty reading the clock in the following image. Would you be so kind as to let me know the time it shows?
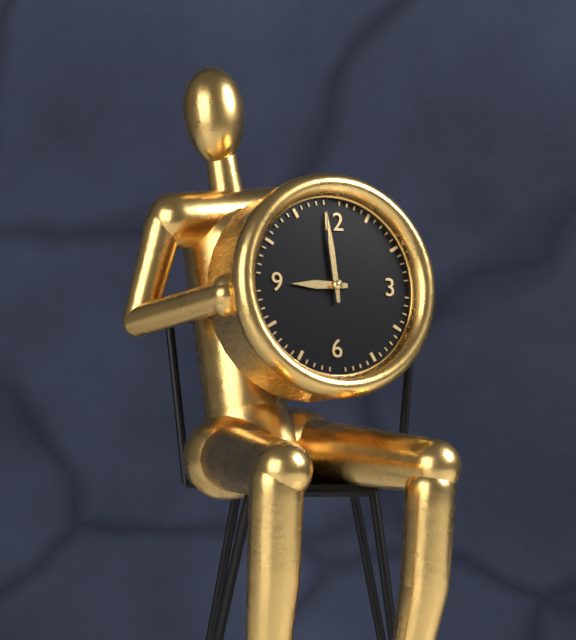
8:59
